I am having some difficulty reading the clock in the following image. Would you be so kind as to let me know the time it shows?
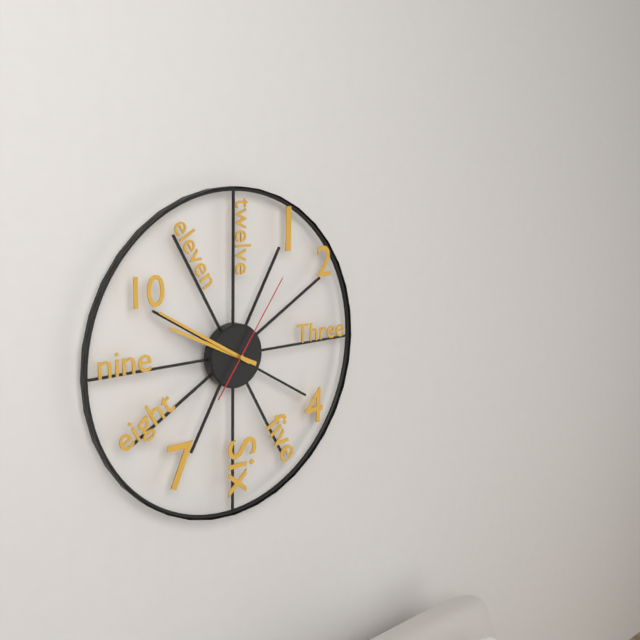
9:50:06
